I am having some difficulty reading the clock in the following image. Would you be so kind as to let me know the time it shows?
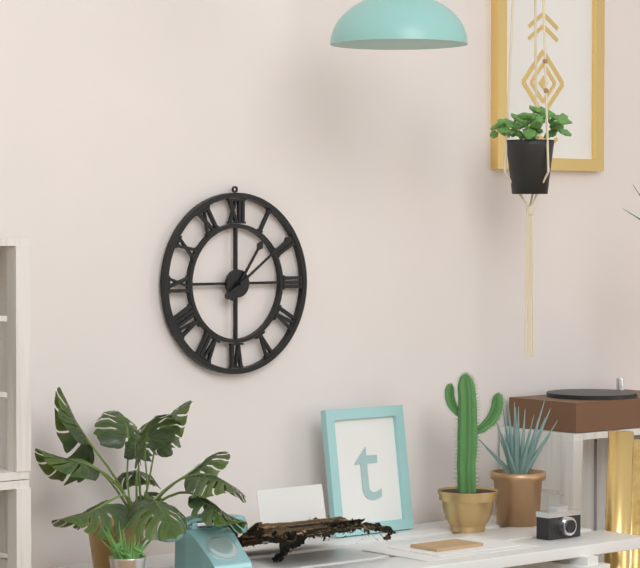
1:09
